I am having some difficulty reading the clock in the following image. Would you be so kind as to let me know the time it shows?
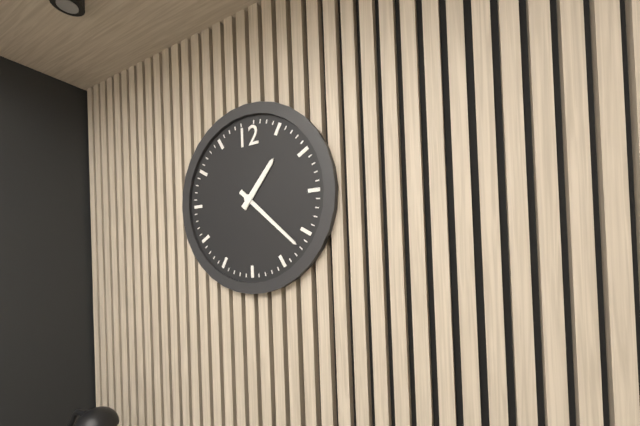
1:22
